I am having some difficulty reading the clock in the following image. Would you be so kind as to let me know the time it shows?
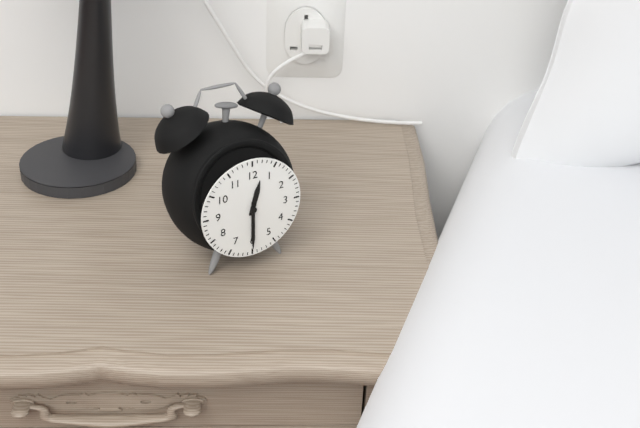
12:30
